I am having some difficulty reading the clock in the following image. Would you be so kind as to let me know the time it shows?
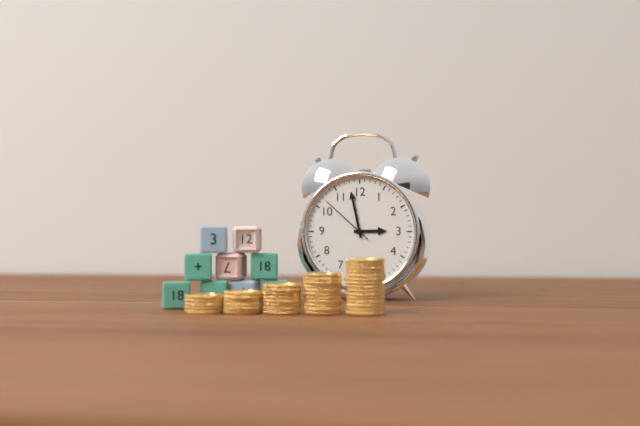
2:58:52
